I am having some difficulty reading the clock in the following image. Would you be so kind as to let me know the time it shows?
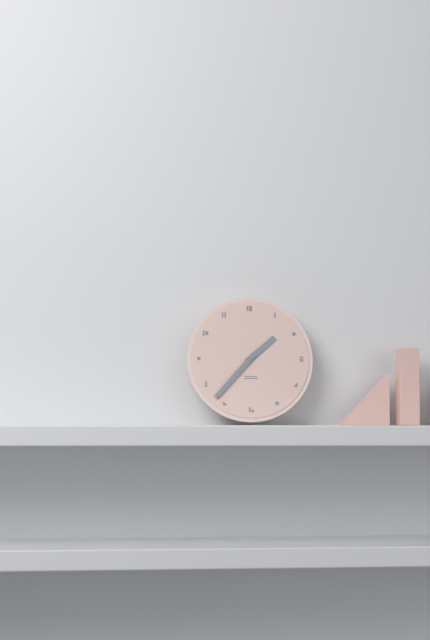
1:37
